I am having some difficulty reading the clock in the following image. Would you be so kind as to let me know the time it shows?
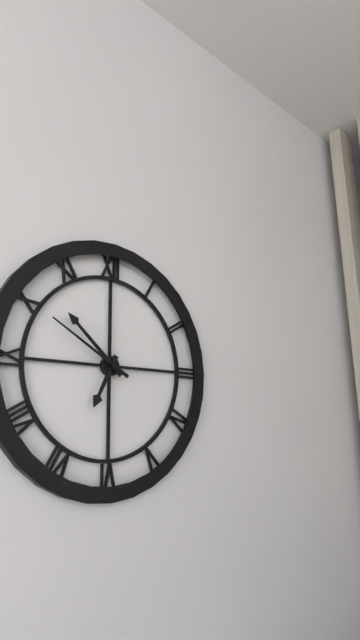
6:52:50
